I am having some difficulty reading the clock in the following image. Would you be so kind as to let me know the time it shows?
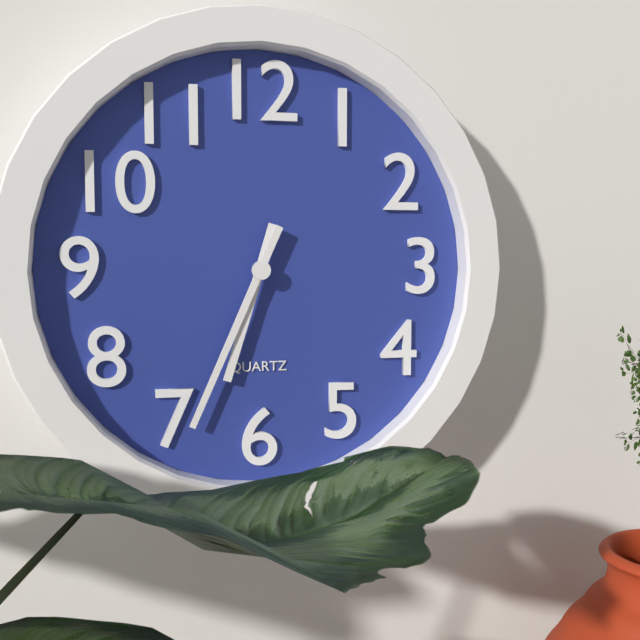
6:34
